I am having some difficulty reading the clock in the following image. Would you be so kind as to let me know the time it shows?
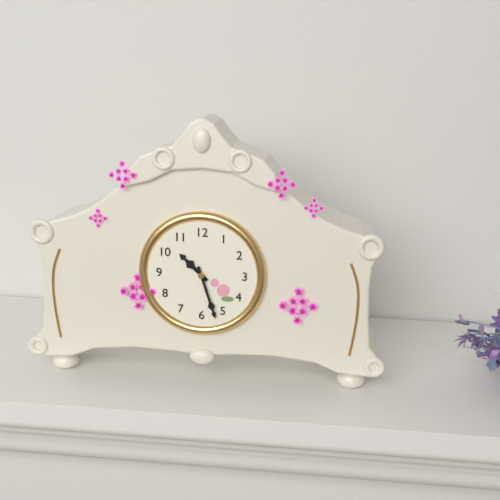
10:27
